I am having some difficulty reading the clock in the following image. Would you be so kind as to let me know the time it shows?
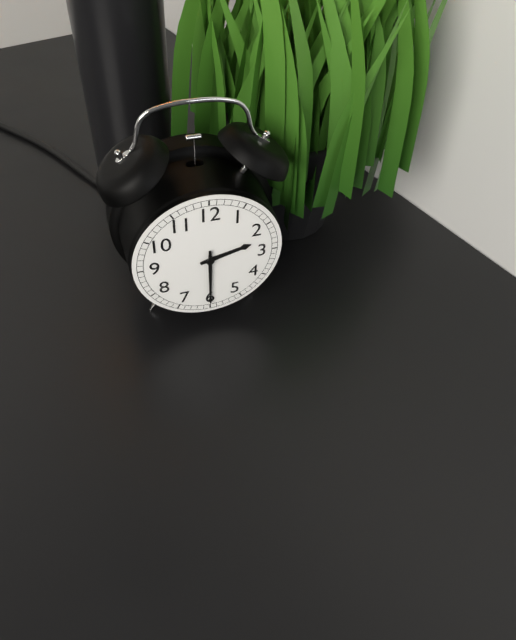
2:30
